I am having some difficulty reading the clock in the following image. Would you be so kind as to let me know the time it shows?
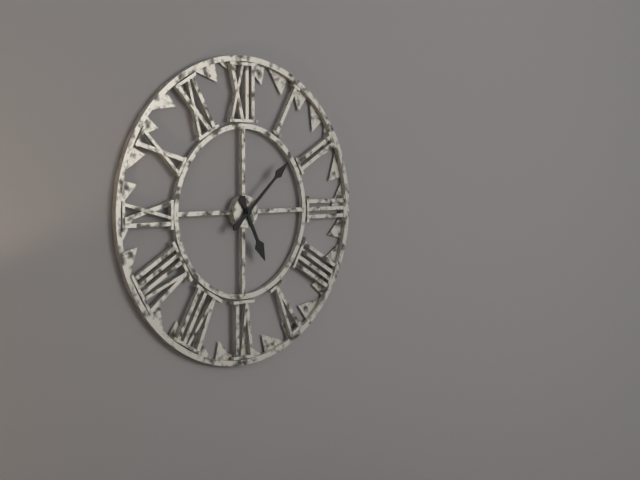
5:08
